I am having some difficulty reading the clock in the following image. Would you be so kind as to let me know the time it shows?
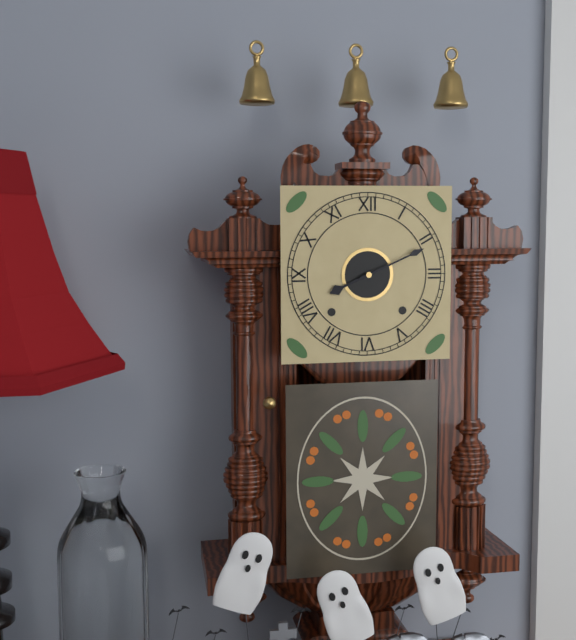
8:11
